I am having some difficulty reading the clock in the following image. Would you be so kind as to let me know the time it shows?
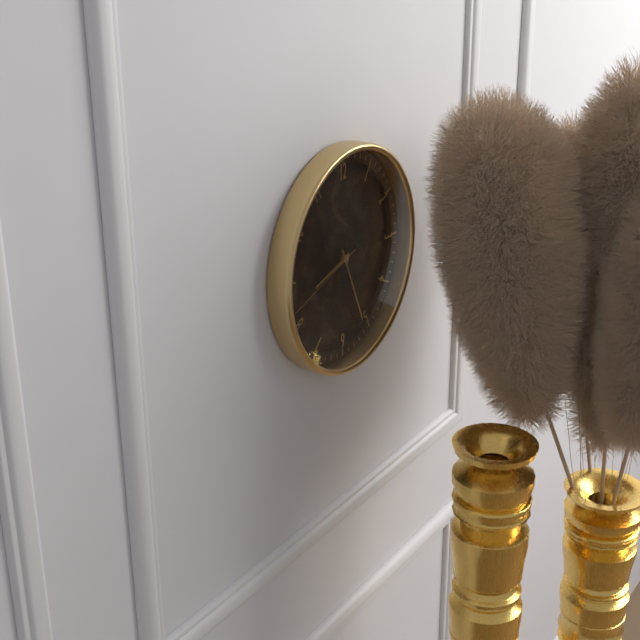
8:26:42
